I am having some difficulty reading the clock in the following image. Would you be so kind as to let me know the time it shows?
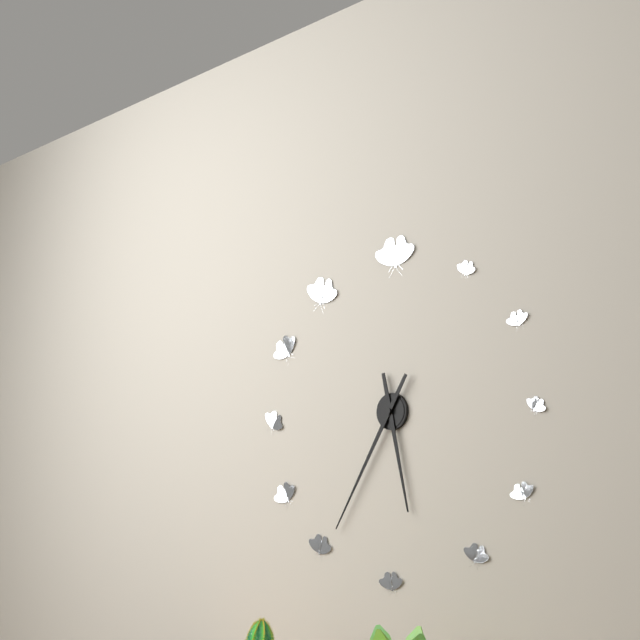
5:35
